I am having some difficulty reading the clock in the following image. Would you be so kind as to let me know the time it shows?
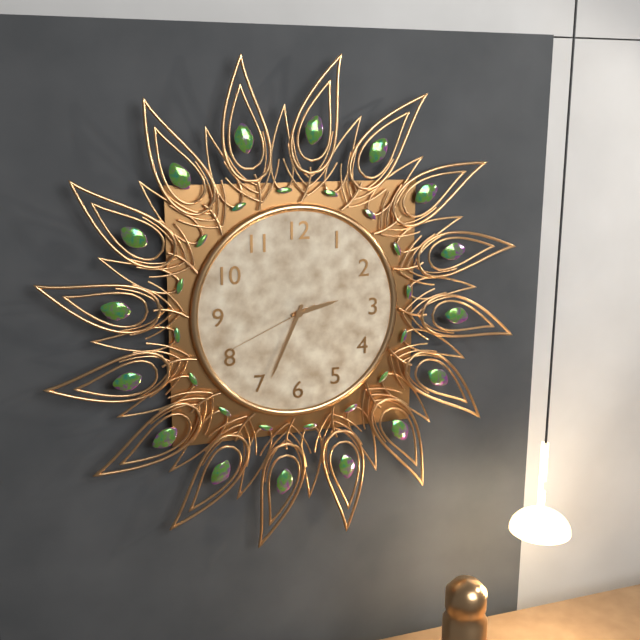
2:34:41
